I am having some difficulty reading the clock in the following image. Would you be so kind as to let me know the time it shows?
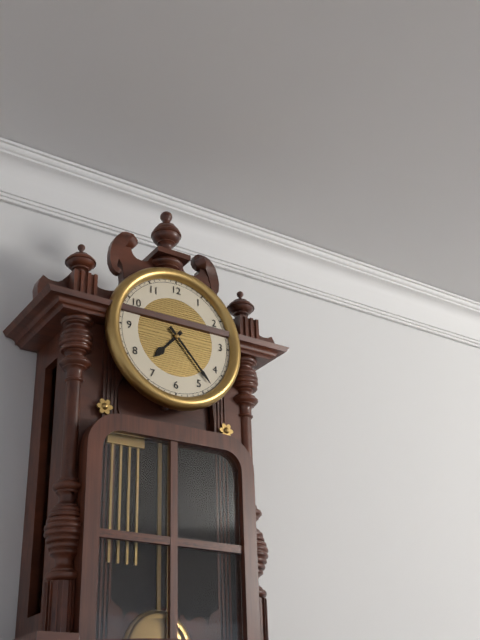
7:23
